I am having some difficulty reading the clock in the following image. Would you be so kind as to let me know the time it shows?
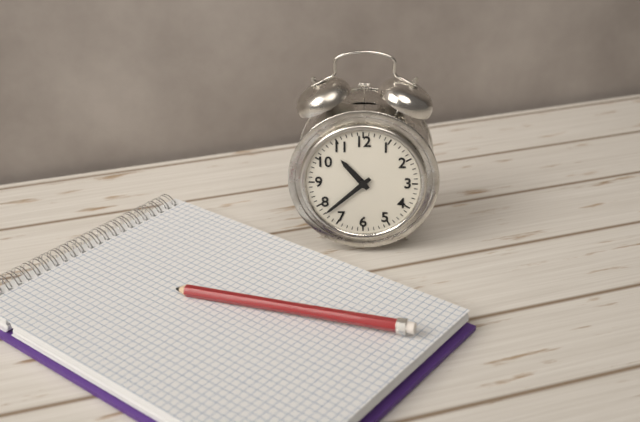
10:38
